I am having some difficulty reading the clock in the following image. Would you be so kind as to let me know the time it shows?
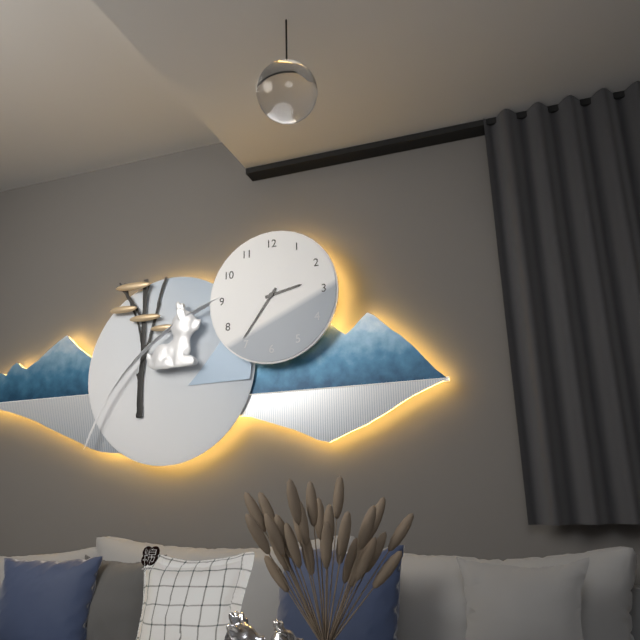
2:36
